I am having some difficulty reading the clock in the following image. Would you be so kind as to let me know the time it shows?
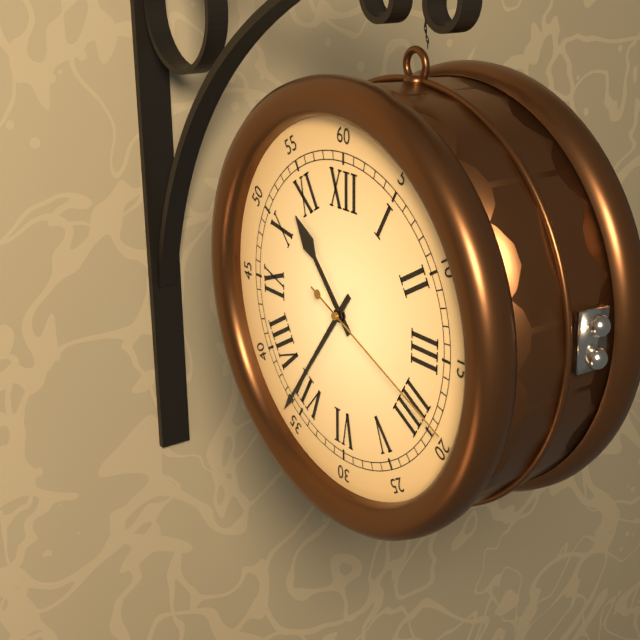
10:36:19
